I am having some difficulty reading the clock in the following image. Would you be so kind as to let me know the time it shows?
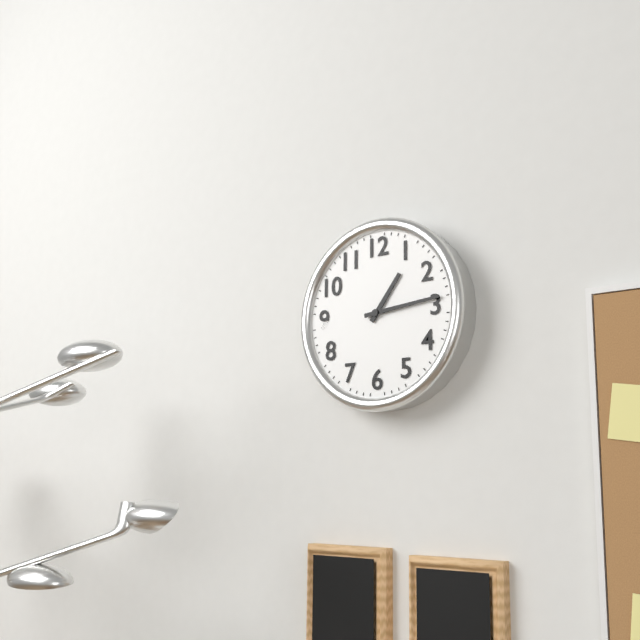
1:14
